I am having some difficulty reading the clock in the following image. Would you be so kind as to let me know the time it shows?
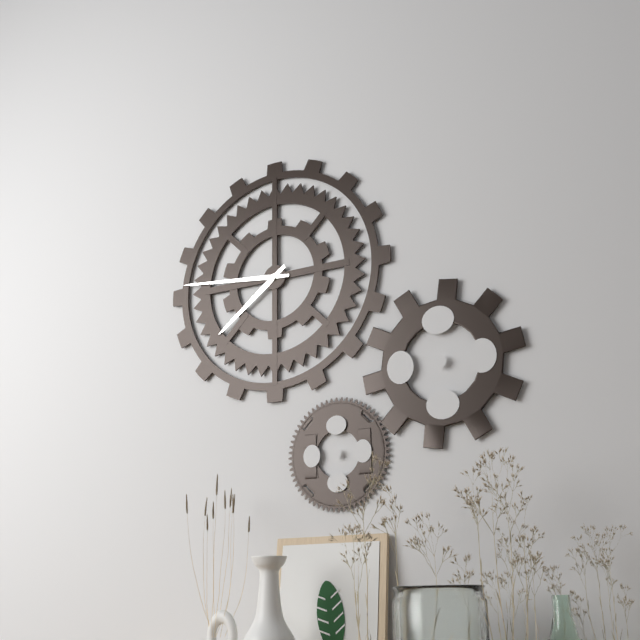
7:46
